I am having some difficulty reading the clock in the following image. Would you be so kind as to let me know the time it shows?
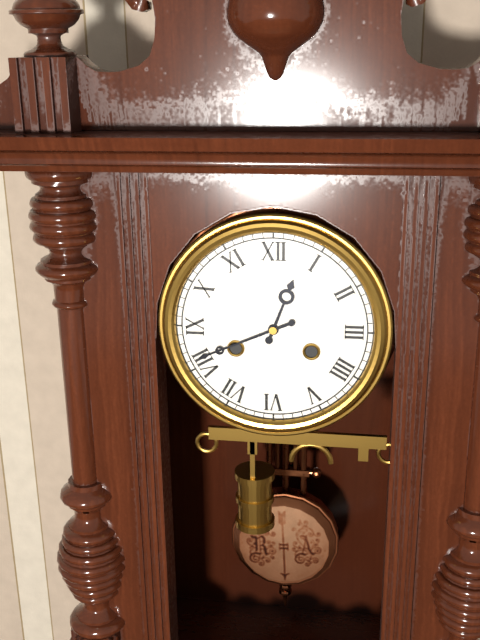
12:41
